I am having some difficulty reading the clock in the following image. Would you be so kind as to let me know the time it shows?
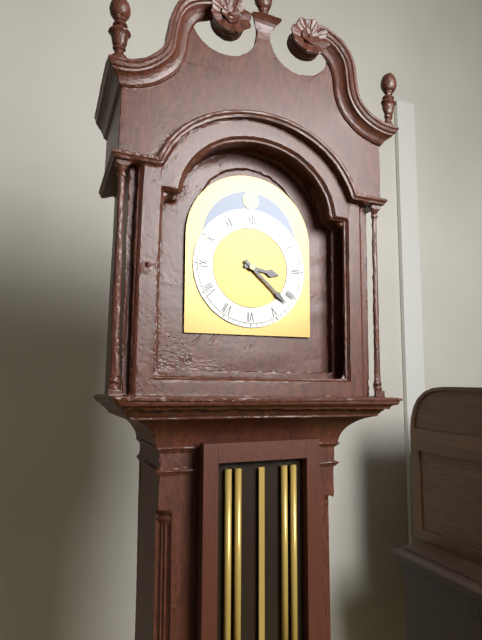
3:22
